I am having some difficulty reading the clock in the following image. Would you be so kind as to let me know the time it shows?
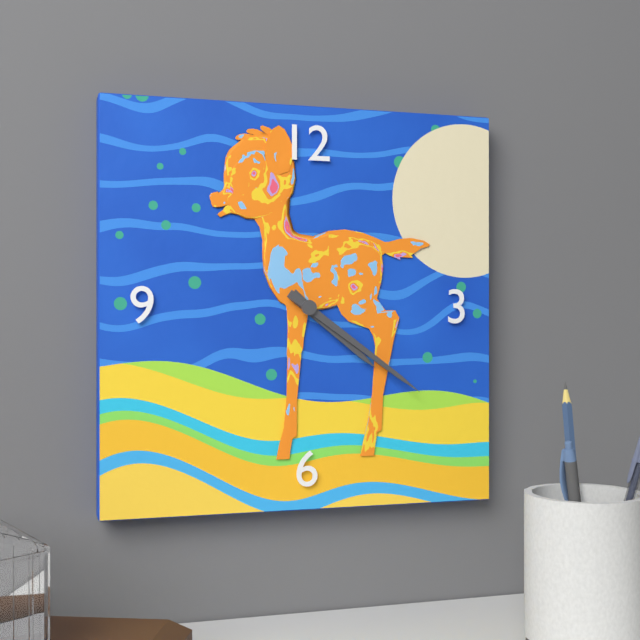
4:21
